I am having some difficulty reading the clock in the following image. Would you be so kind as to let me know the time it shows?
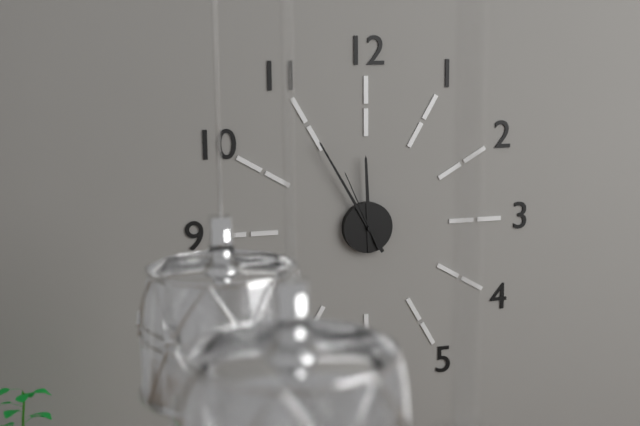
11:55:56
